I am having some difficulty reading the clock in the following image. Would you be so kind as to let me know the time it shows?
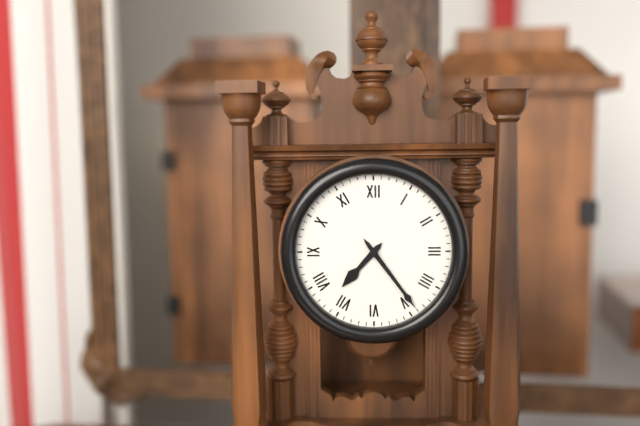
7:24
